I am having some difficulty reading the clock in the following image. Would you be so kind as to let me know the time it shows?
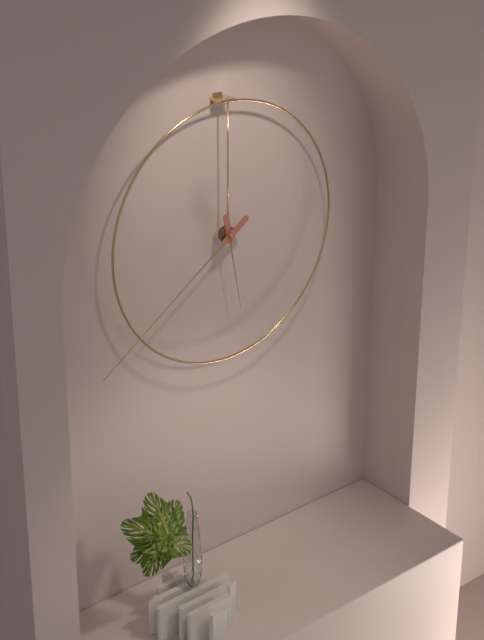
5:39
